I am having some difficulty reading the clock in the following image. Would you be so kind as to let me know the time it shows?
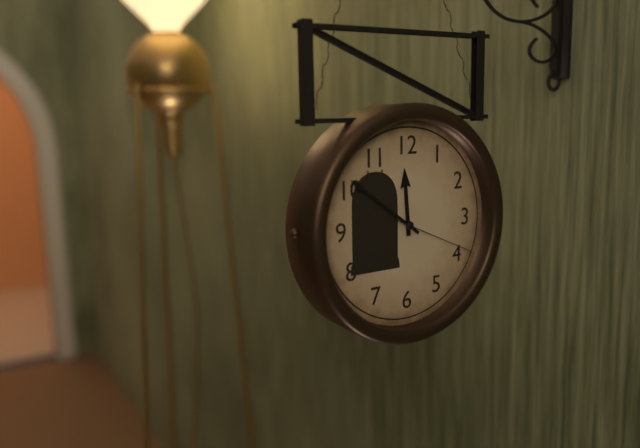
11:51:19
